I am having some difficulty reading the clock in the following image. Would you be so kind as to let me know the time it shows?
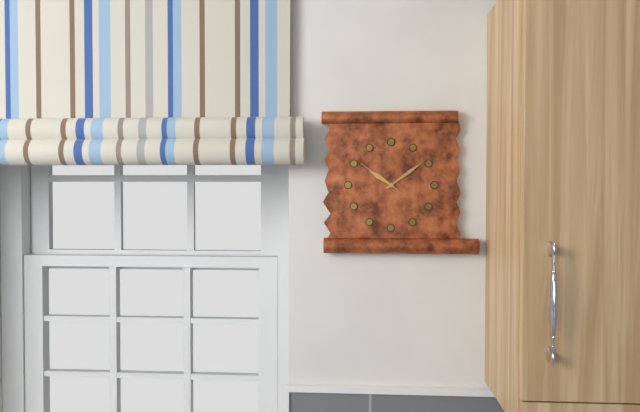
10:09
